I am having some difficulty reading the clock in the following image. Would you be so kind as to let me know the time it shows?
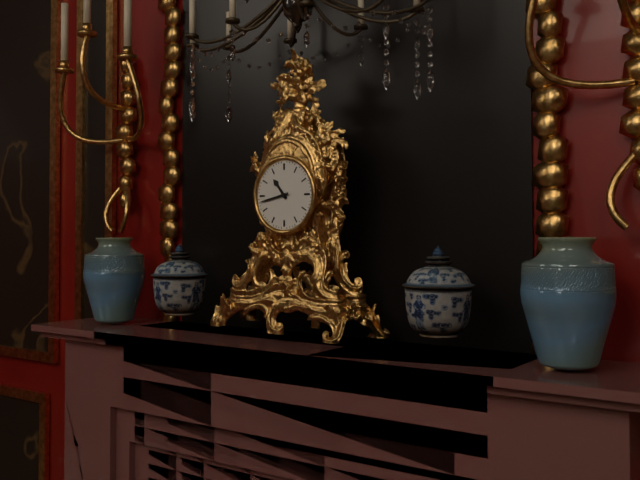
10:43
